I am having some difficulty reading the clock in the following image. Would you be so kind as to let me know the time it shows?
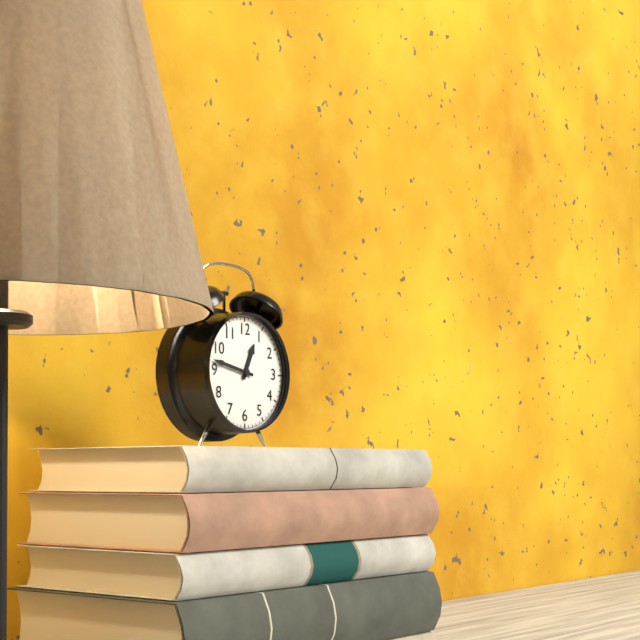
12:47
